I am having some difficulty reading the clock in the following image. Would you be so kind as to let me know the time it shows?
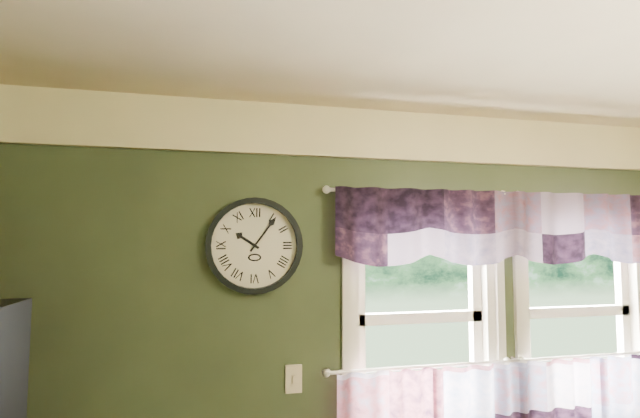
10:06
